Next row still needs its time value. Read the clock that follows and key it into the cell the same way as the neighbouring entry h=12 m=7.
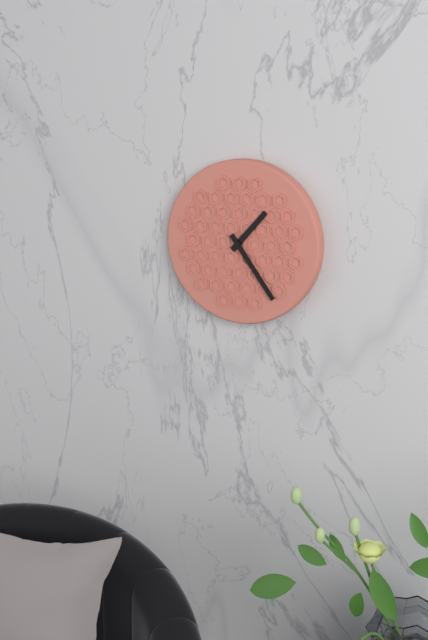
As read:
h=1 m=24
